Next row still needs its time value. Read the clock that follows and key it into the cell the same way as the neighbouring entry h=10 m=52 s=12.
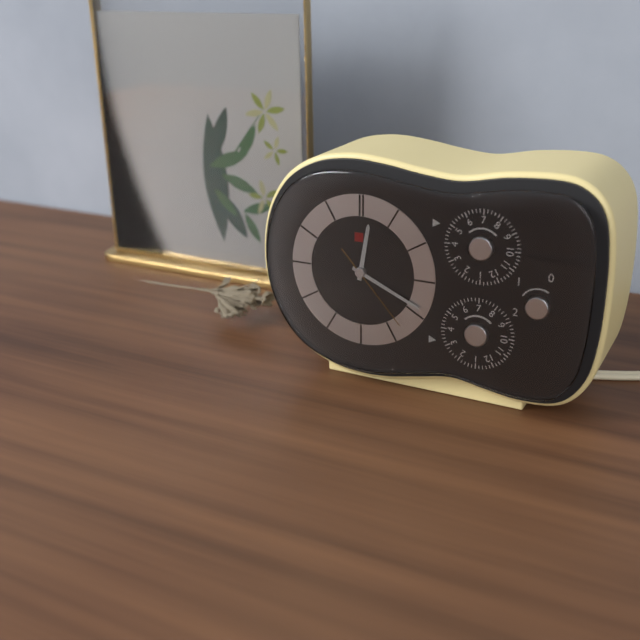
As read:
h=12 m=19 s=23
